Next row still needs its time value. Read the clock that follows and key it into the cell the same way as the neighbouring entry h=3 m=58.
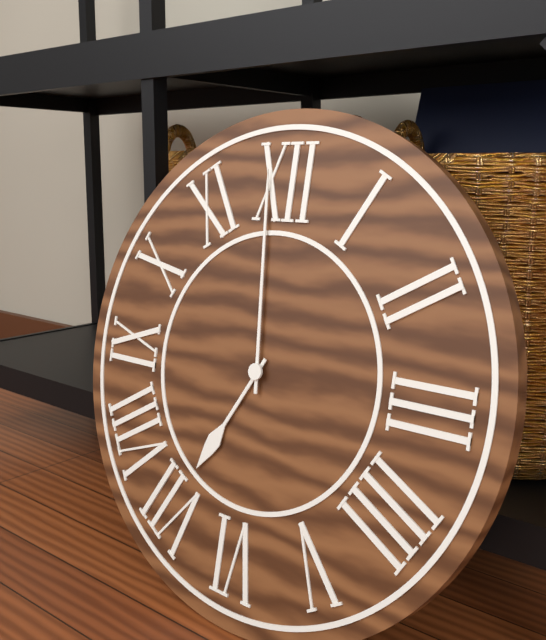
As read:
h=6 m=59
